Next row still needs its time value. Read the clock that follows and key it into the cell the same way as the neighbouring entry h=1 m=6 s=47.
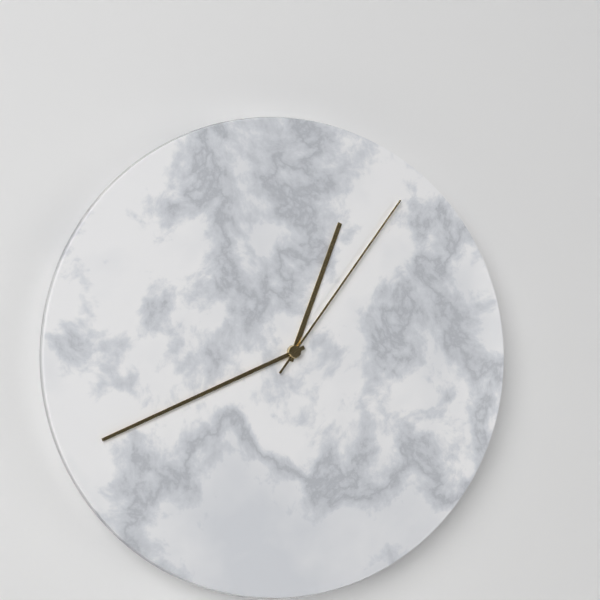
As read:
h=12 m=41 s=6
